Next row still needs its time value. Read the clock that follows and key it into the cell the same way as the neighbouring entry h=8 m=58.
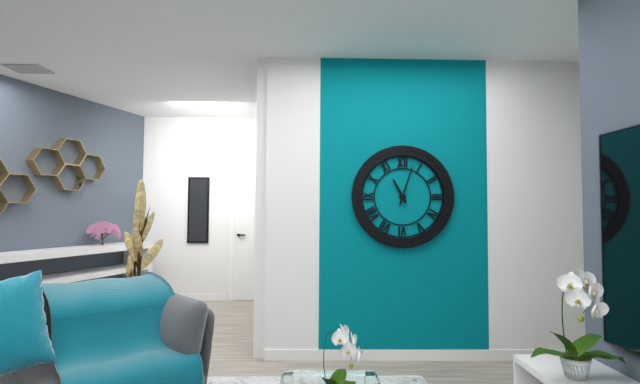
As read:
h=11 m=3
